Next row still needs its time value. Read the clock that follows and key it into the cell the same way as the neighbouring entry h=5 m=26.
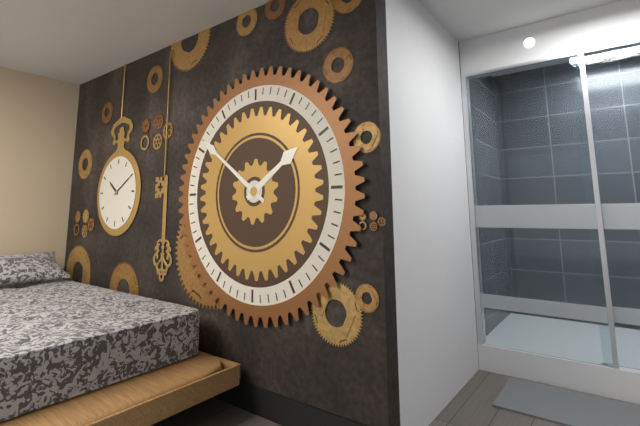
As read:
h=1 m=51
